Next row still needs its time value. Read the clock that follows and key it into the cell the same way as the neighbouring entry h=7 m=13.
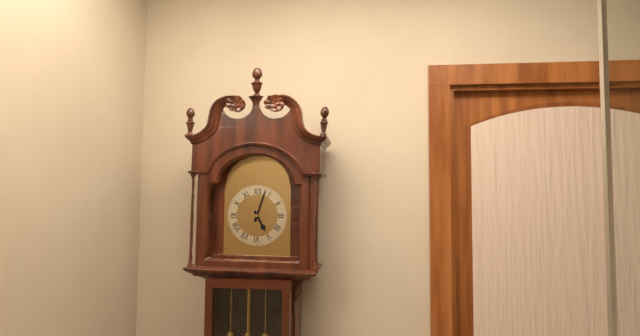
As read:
h=5 m=3
